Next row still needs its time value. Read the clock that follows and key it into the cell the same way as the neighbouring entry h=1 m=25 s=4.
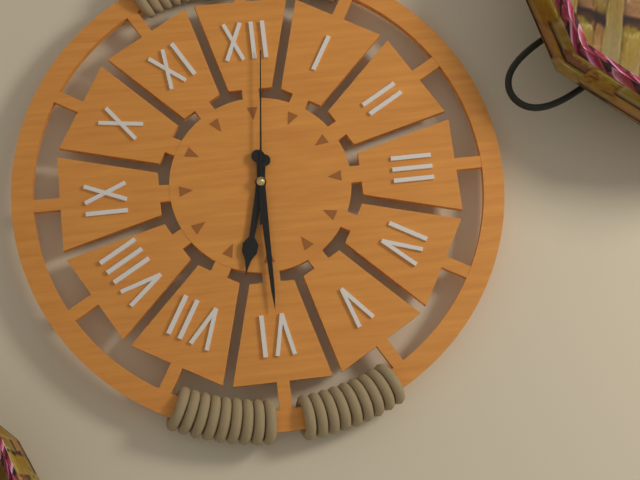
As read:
h=6 m=30 s=1
